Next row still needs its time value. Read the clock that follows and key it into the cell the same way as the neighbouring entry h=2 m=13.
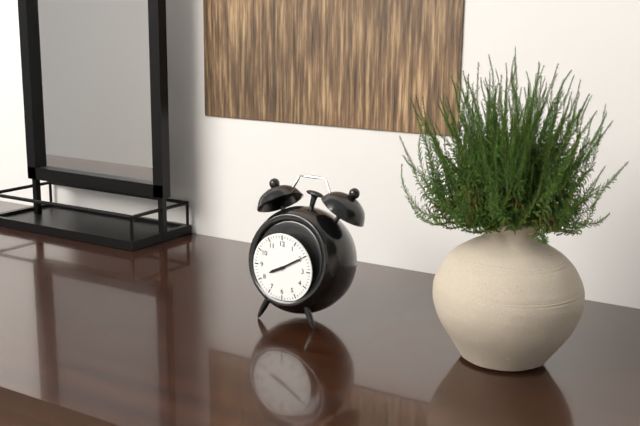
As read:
h=8 m=10
